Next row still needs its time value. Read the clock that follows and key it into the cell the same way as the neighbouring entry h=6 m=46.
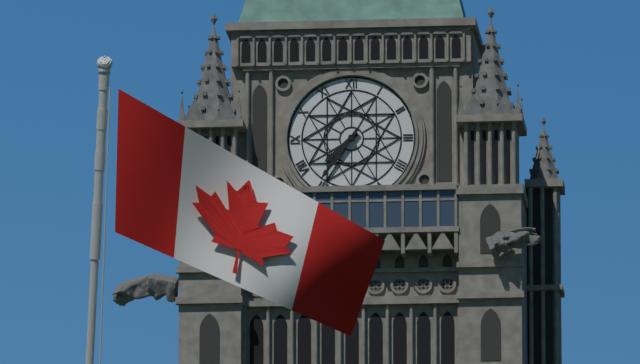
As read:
h=7 m=36
